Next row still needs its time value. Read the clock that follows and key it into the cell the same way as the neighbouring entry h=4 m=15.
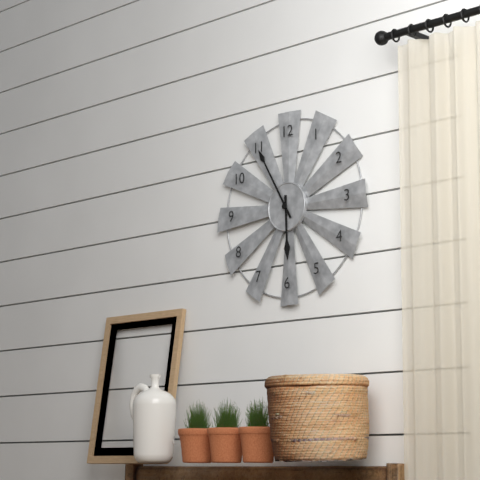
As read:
h=5 m=55
